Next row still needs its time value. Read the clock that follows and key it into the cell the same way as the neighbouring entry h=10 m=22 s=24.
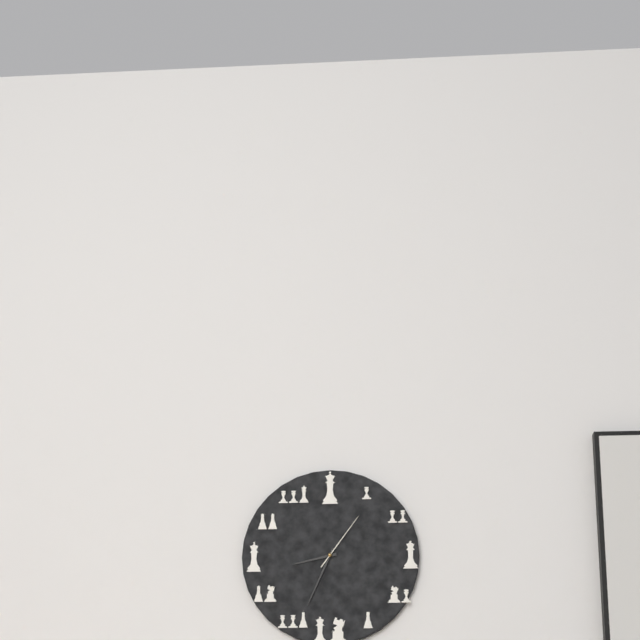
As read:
h=8 m=34 s=6
